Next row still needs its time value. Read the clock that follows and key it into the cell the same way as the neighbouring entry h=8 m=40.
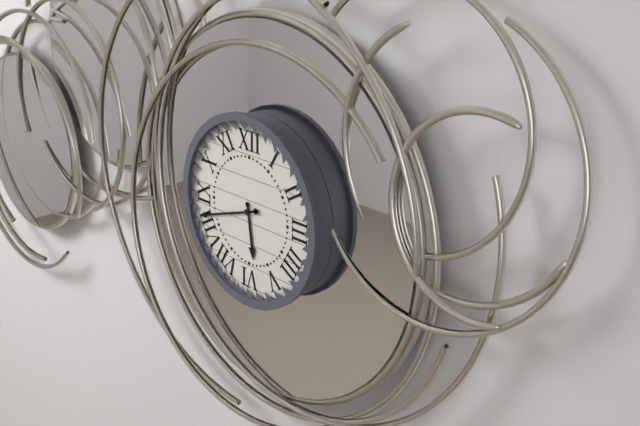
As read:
h=5 m=42
